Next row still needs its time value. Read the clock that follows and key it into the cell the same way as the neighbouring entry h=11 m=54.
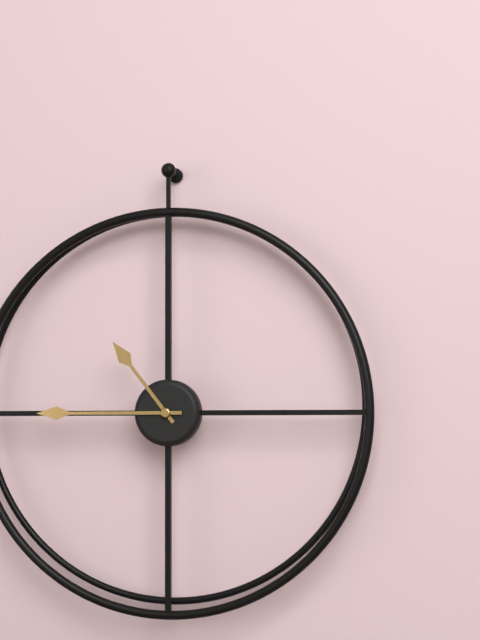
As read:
h=10 m=45
